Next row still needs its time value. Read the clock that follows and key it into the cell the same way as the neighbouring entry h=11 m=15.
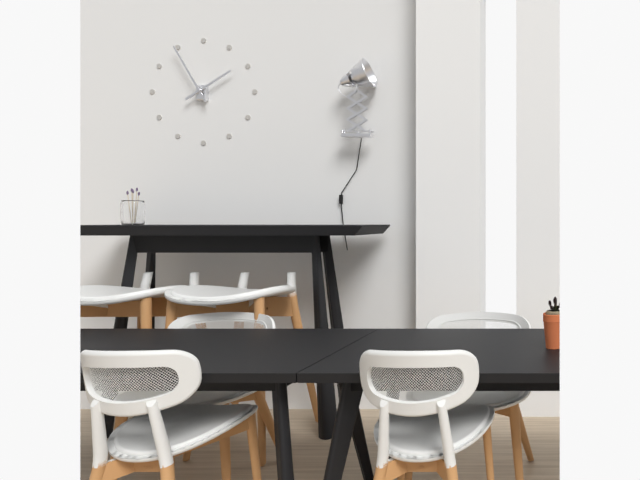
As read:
h=1 m=55
